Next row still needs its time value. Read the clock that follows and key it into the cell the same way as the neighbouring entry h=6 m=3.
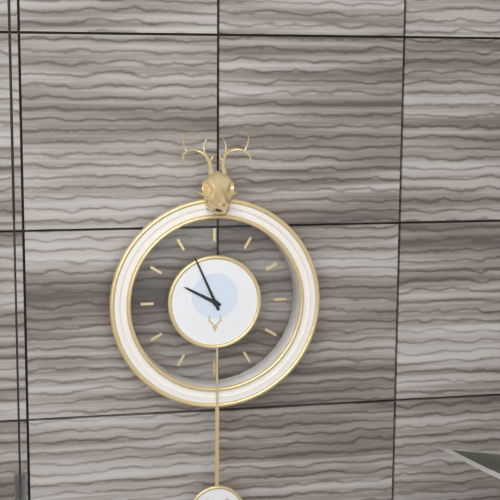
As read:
h=9 m=56
